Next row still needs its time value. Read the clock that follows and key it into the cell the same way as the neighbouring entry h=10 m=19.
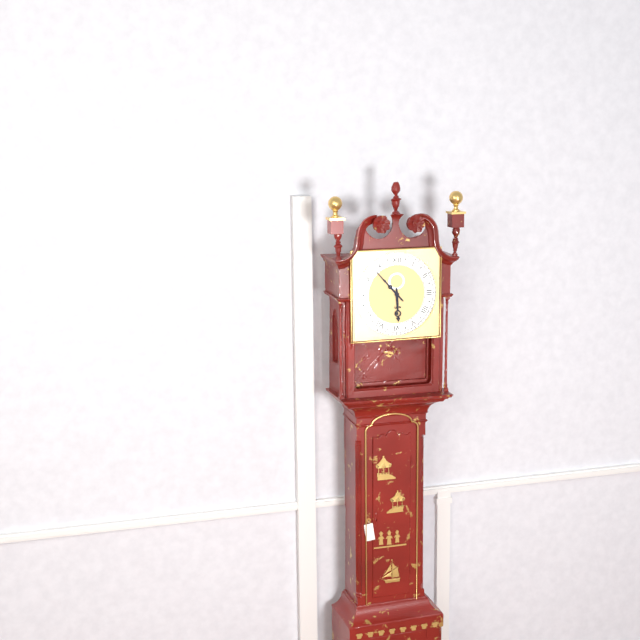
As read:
h=5 m=53
